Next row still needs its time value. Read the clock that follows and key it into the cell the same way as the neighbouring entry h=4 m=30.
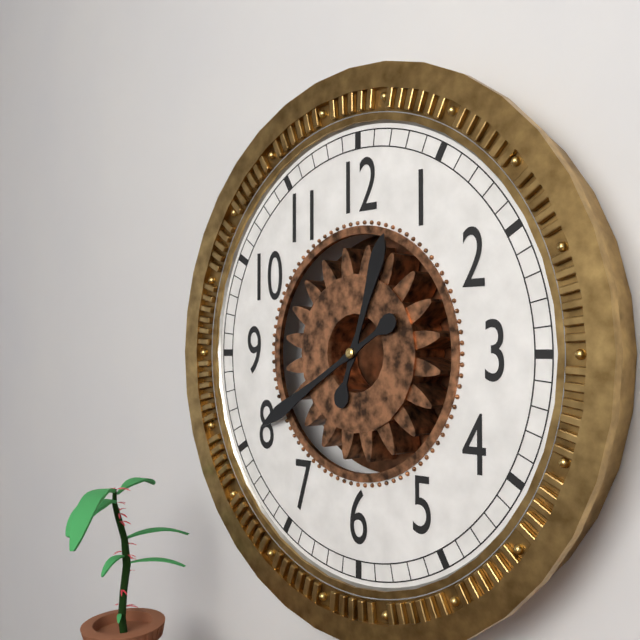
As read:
h=12 m=40
